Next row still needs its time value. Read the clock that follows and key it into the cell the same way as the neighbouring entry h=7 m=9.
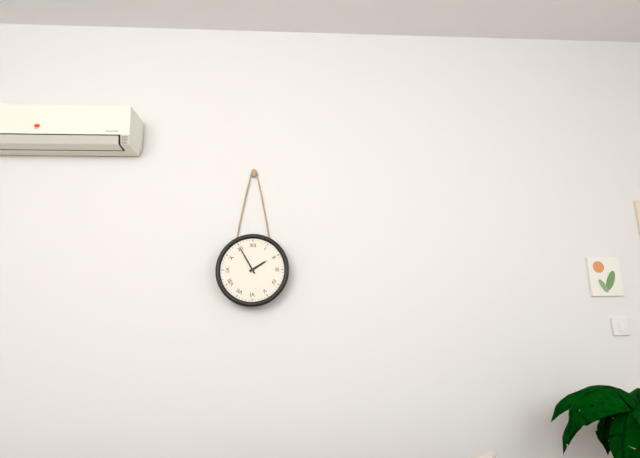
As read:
h=1 m=55
